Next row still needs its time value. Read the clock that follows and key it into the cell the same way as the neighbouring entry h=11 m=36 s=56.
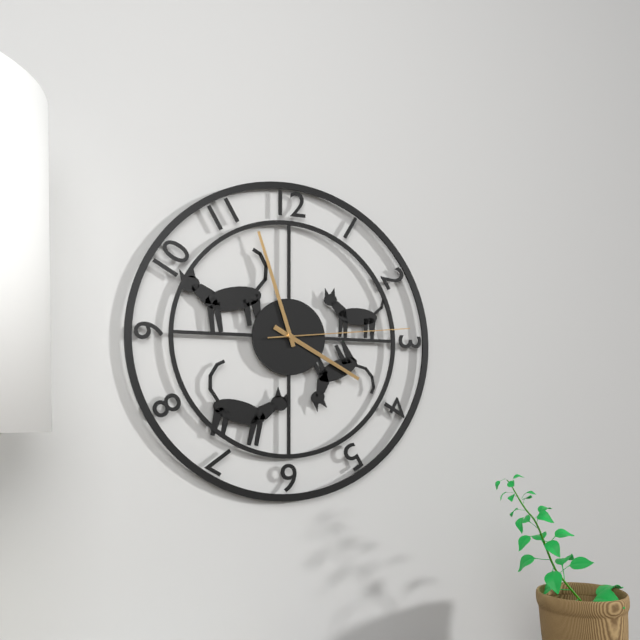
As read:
h=3 m=57 s=14
